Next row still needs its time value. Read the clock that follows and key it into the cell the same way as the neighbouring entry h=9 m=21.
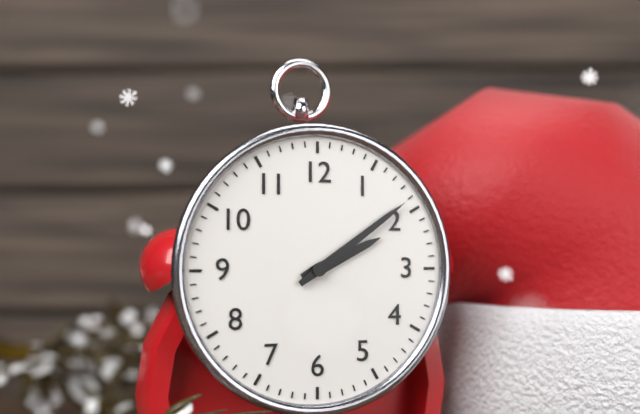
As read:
h=2 m=9
